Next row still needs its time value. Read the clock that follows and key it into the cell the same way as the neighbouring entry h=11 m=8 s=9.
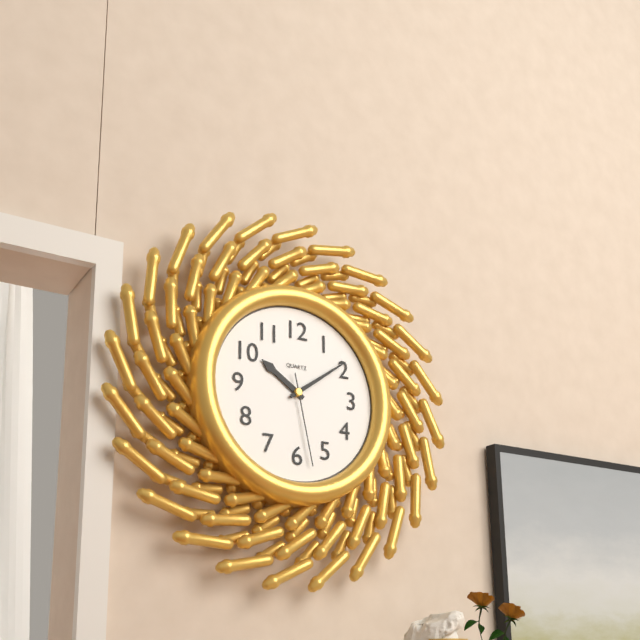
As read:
h=10 m=9 s=28
